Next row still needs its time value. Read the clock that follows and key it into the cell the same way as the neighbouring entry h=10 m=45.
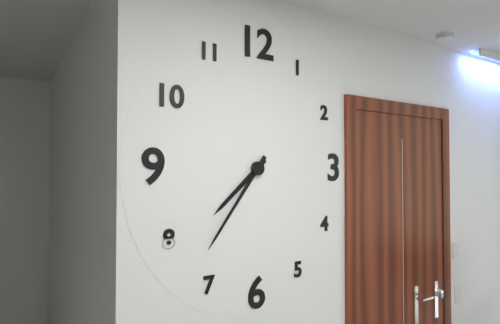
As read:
h=7 m=36
